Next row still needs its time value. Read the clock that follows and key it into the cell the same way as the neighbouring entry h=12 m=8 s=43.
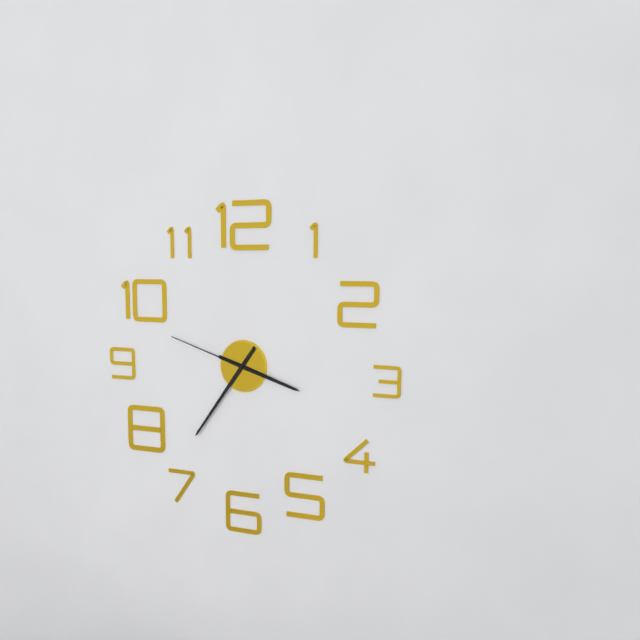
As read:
h=3 m=36 s=48
